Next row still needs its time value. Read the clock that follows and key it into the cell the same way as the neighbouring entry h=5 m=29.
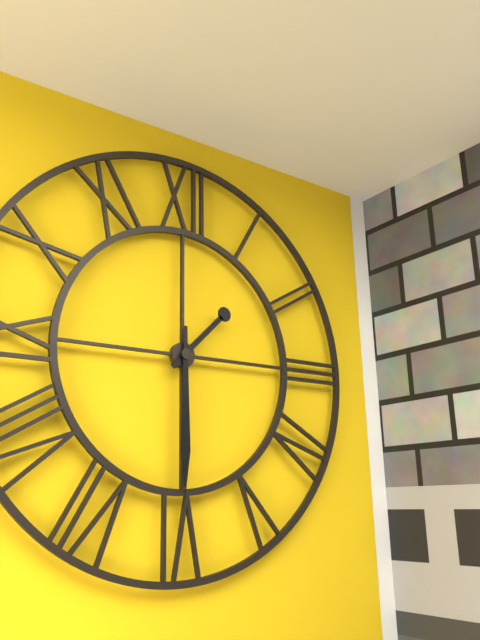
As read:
h=1 m=30
